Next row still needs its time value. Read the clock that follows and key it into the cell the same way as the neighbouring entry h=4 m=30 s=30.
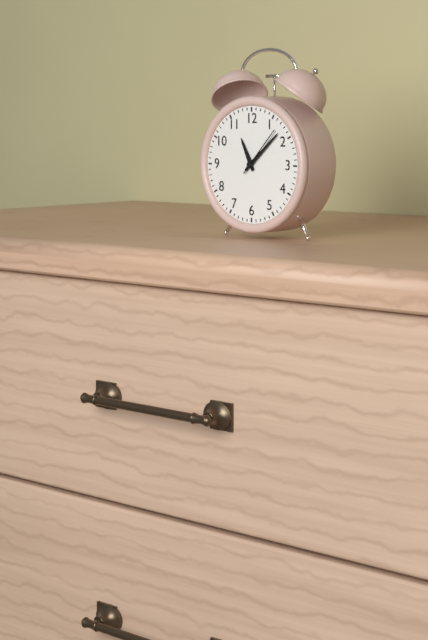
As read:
h=11 m=8 s=7
